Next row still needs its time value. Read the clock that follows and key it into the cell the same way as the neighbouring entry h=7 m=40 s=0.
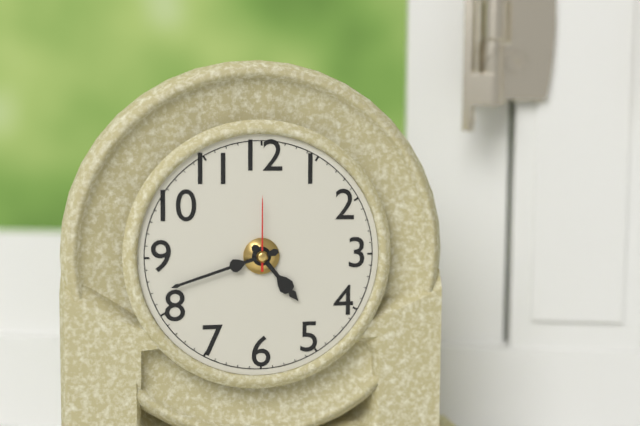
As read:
h=4 m=42 s=0
